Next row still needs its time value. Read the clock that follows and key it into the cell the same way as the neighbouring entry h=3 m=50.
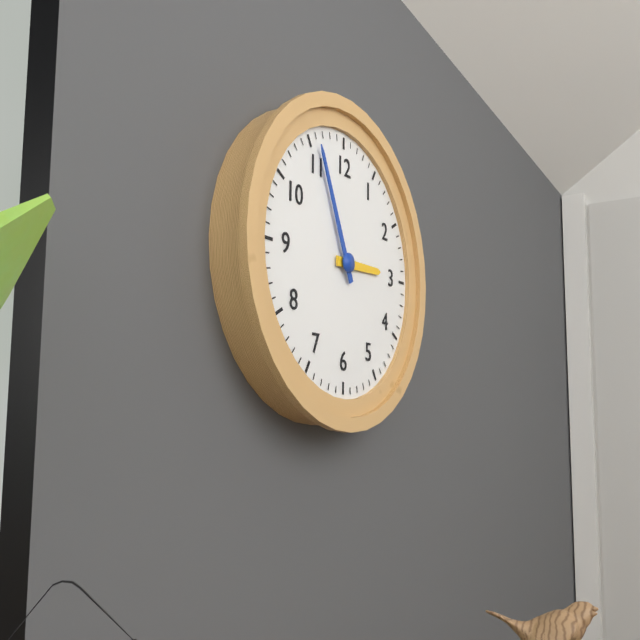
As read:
h=2 m=56
